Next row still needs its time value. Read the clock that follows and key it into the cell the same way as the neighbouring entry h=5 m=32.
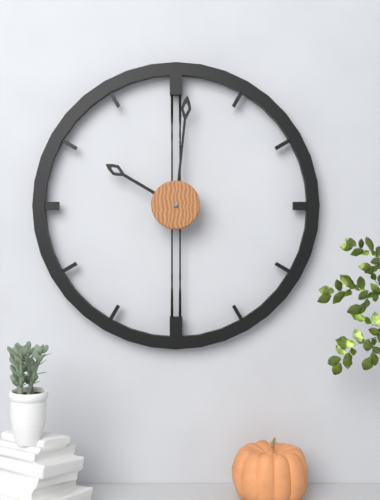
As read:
h=10 m=1
